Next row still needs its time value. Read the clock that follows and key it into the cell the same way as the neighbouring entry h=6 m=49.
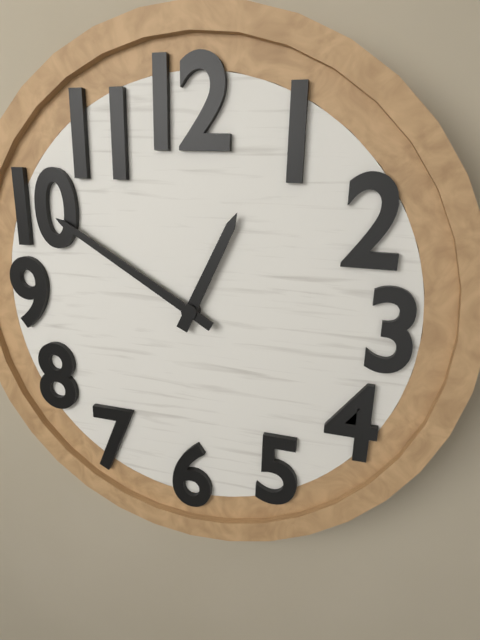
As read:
h=12 m=50
